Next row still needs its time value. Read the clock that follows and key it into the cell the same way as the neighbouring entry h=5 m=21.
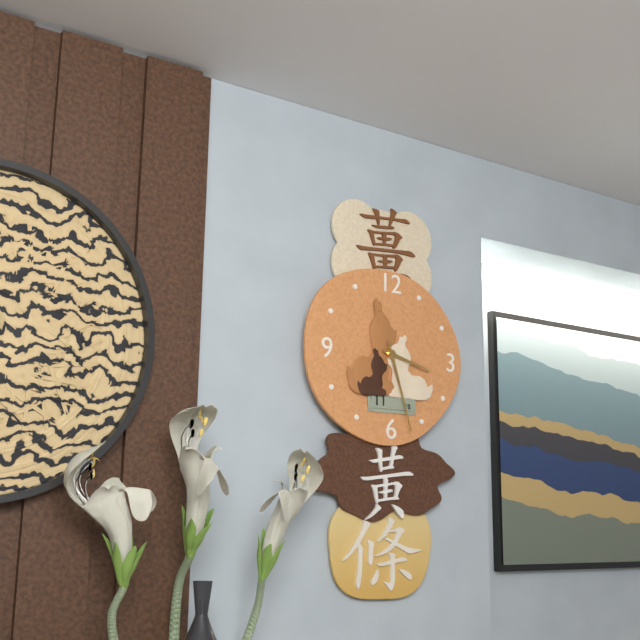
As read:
h=3 m=27
